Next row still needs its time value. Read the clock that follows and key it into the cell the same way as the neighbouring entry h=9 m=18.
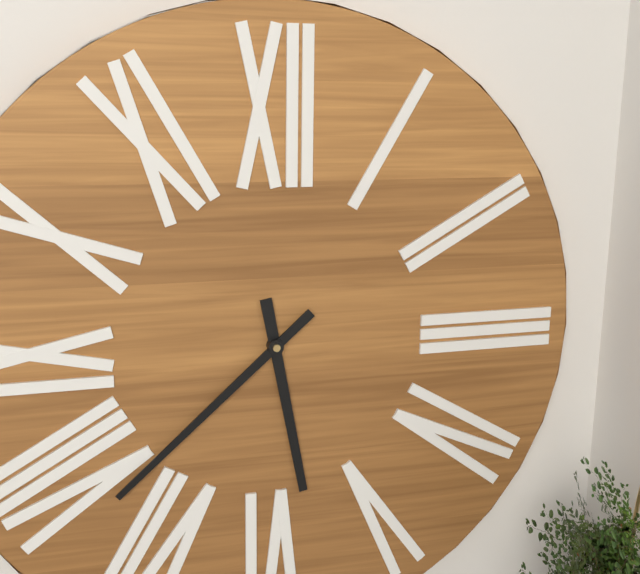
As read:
h=5 m=38
